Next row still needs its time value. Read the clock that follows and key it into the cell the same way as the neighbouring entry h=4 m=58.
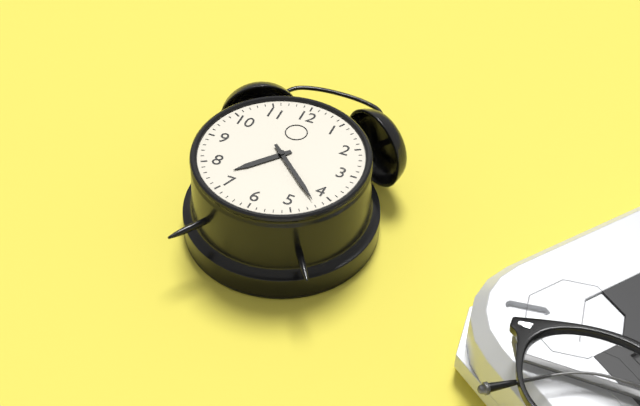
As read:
h=7 m=22
